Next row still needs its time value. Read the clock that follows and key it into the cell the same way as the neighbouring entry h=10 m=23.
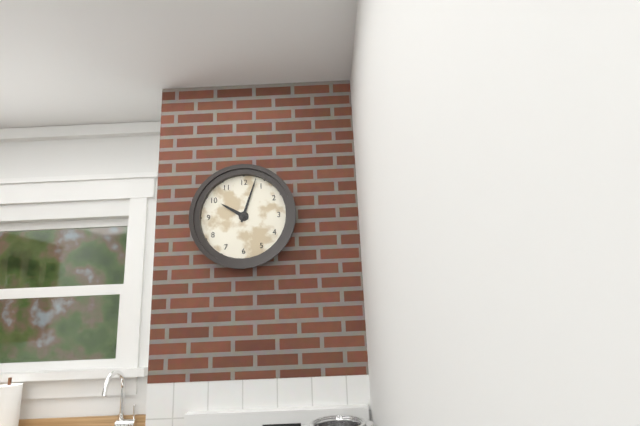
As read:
h=10 m=3
